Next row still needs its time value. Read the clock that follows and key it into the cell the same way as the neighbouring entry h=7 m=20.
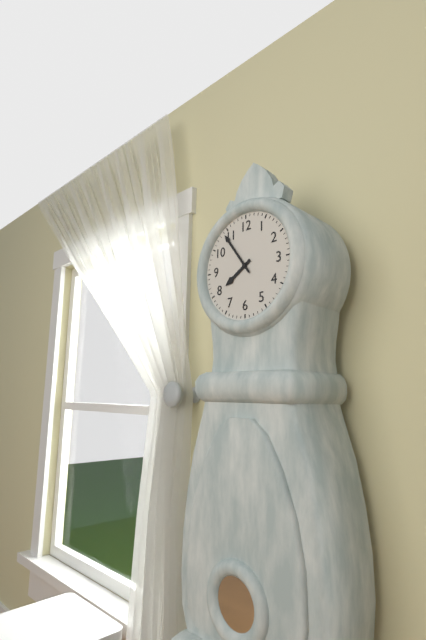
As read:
h=7 m=54
